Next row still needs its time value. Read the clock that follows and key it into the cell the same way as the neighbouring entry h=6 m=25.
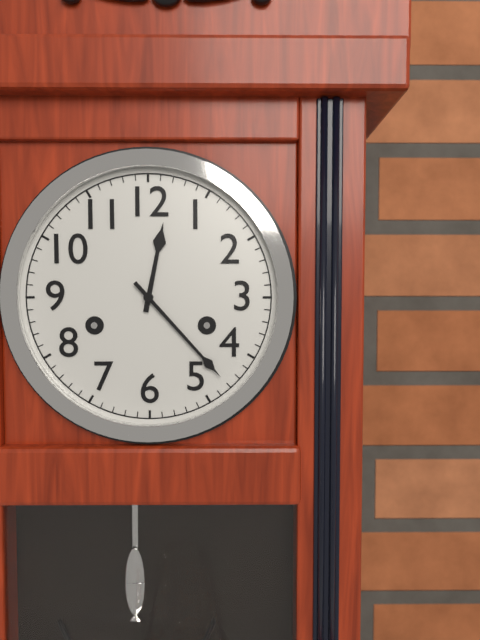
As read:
h=12 m=23
